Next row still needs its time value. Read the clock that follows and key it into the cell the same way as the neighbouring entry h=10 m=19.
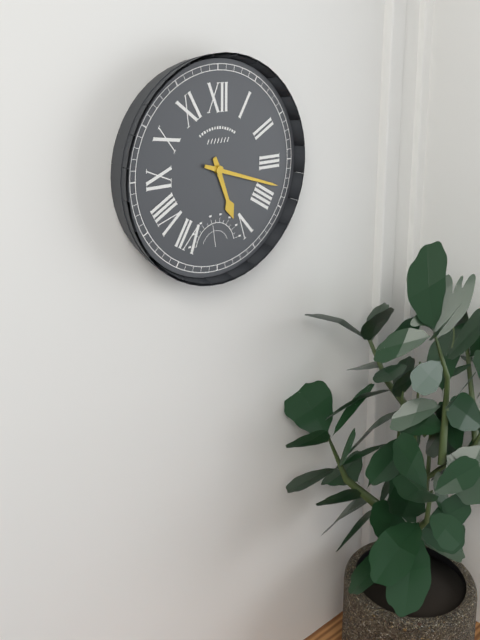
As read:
h=5 m=18
